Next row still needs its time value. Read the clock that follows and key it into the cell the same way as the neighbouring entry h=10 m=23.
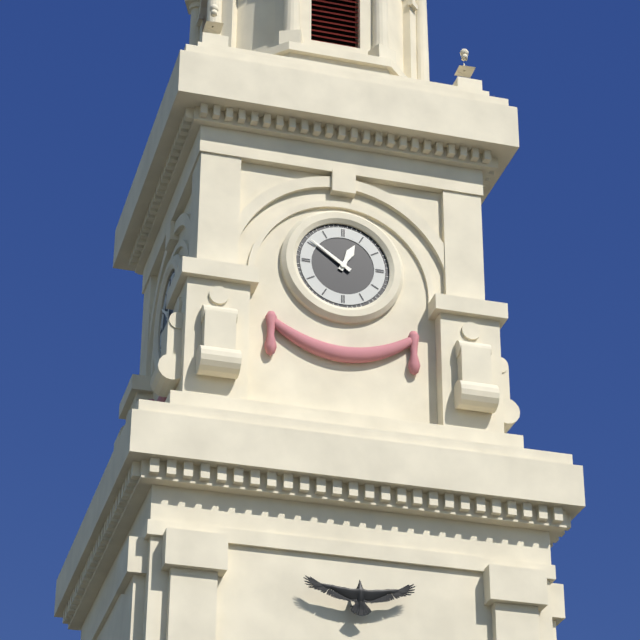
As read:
h=12 m=51
